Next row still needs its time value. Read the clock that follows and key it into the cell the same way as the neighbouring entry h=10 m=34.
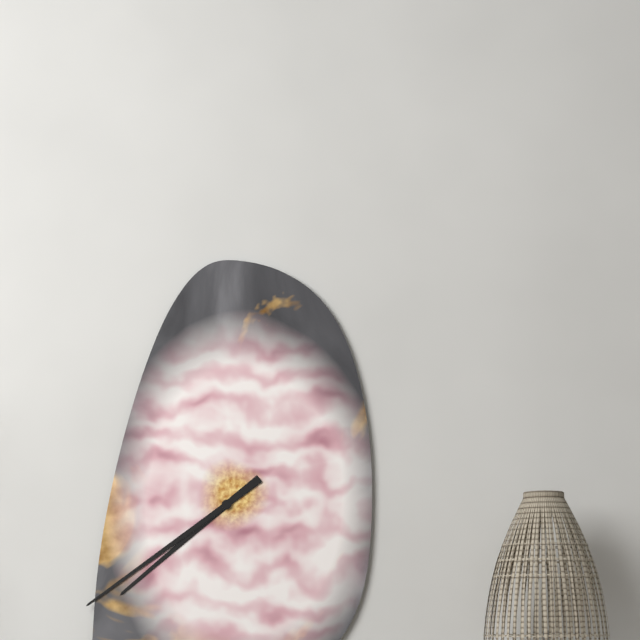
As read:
h=7 m=39
